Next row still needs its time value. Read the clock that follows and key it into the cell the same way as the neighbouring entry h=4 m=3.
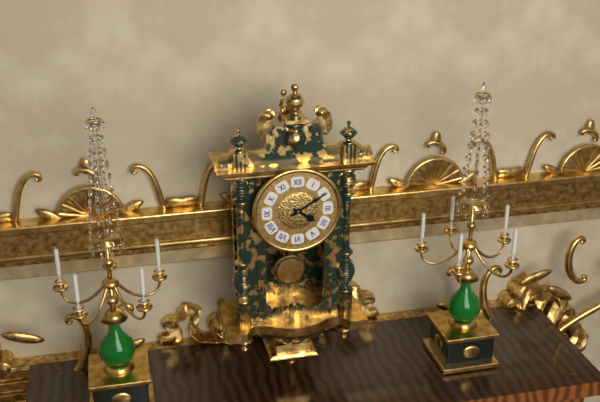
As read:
h=4 m=10
